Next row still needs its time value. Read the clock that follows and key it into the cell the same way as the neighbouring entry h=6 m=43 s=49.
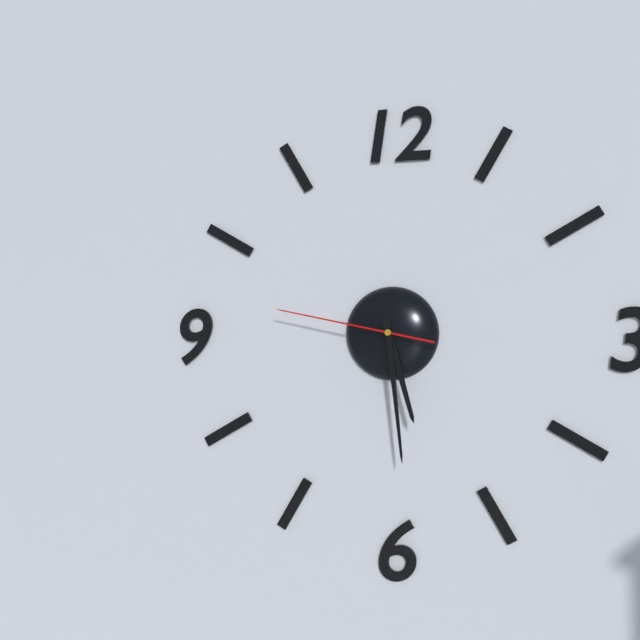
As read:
h=5 m=29 s=47
